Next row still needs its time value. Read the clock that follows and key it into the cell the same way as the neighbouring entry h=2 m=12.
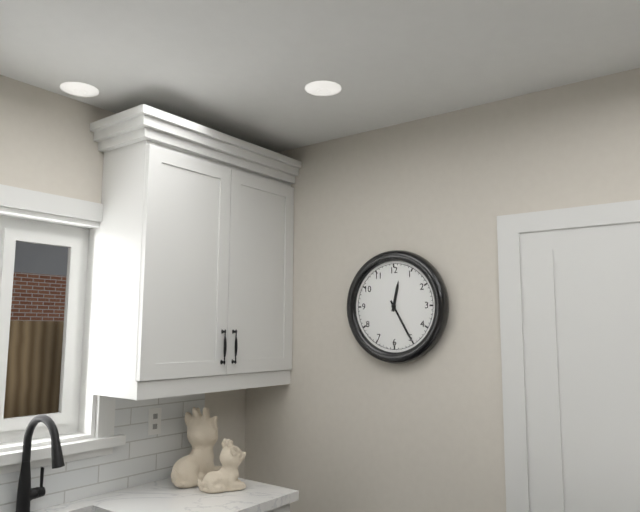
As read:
h=12 m=25
